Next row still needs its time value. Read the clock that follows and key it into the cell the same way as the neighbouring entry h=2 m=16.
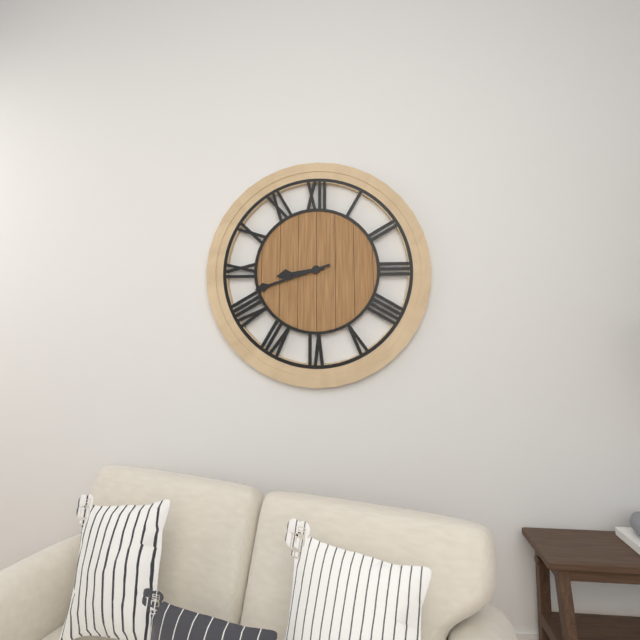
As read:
h=8 m=42
